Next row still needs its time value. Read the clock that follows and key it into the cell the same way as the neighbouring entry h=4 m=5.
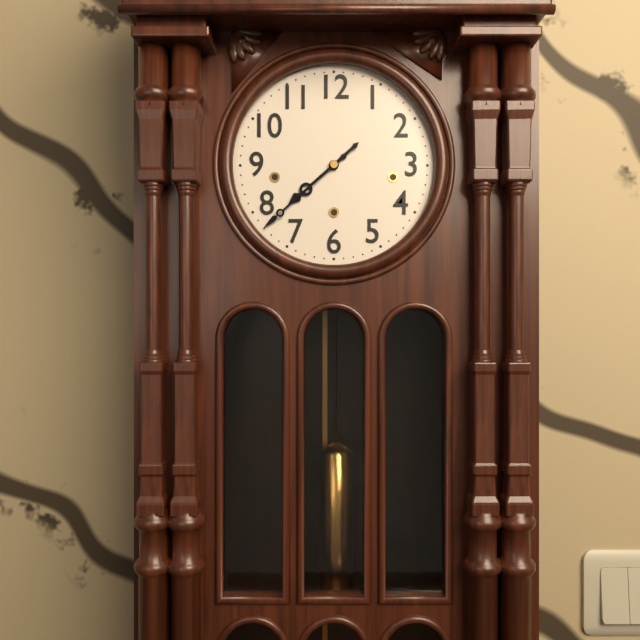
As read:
h=7 m=38
